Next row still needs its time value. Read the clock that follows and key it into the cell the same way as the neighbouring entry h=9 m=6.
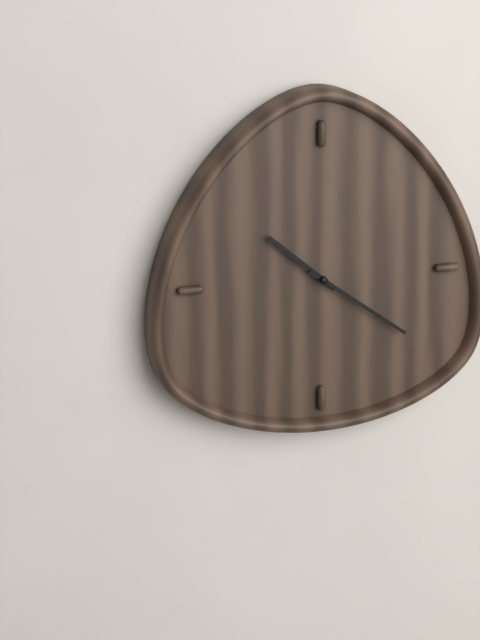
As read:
h=10 m=21
